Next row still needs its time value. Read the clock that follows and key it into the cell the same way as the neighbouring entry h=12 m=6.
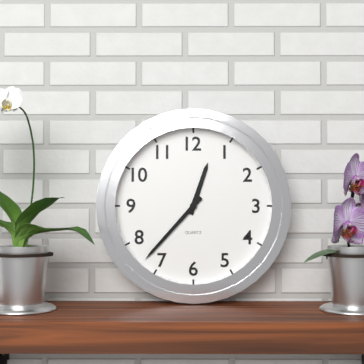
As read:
h=12 m=37
